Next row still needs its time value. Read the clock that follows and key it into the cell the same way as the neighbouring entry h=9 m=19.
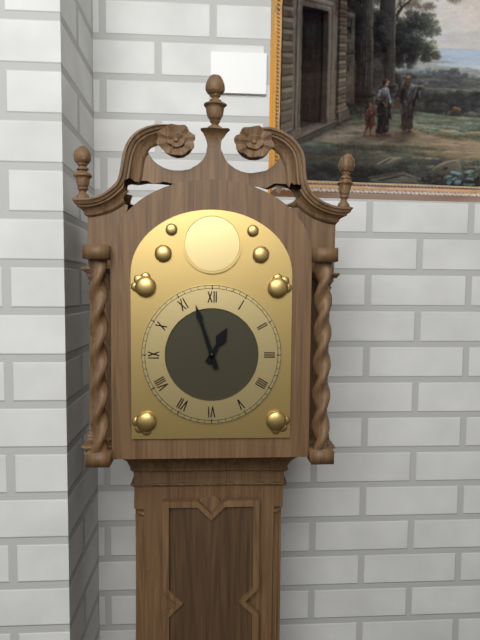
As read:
h=12 m=57
